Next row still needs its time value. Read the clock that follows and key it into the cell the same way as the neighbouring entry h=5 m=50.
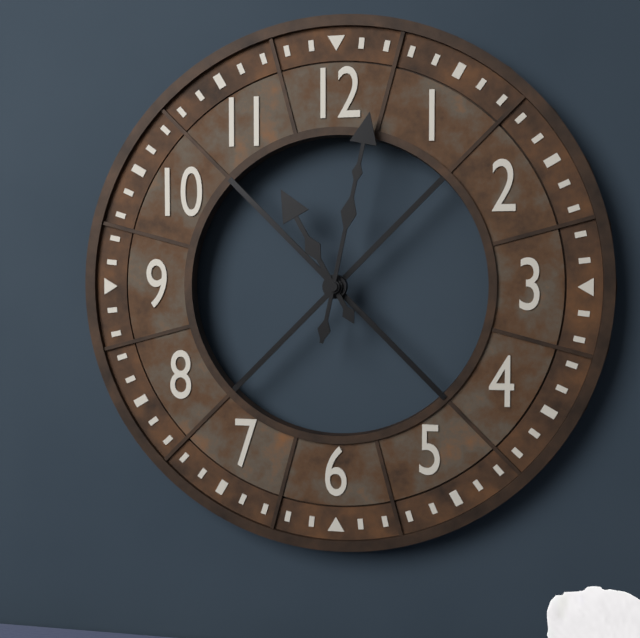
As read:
h=11 m=2
